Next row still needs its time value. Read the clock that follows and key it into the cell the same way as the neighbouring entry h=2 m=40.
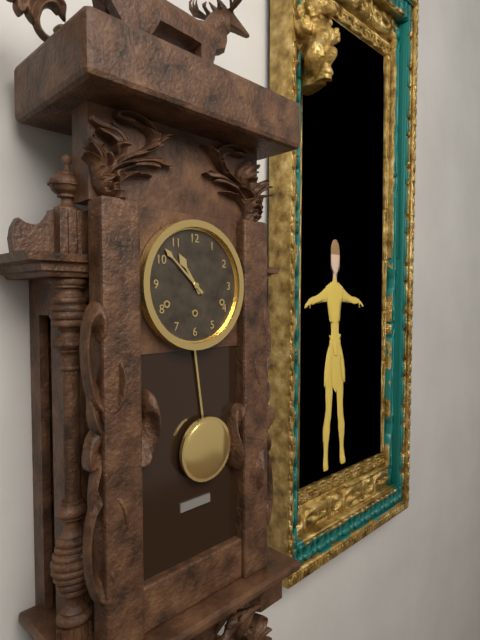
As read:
h=10 m=52
